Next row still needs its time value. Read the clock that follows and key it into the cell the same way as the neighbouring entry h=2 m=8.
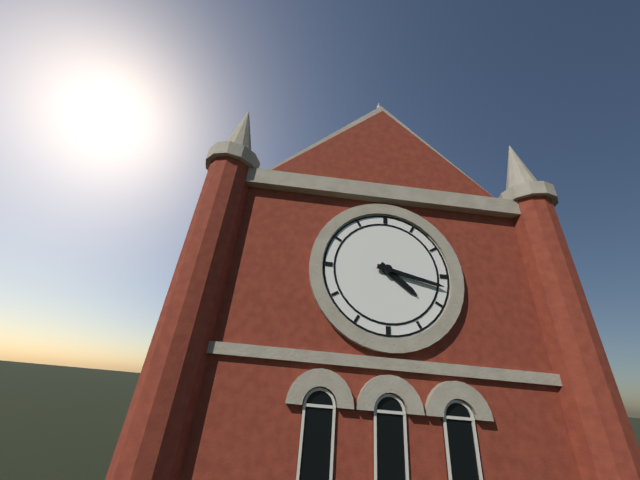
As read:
h=4 m=17
